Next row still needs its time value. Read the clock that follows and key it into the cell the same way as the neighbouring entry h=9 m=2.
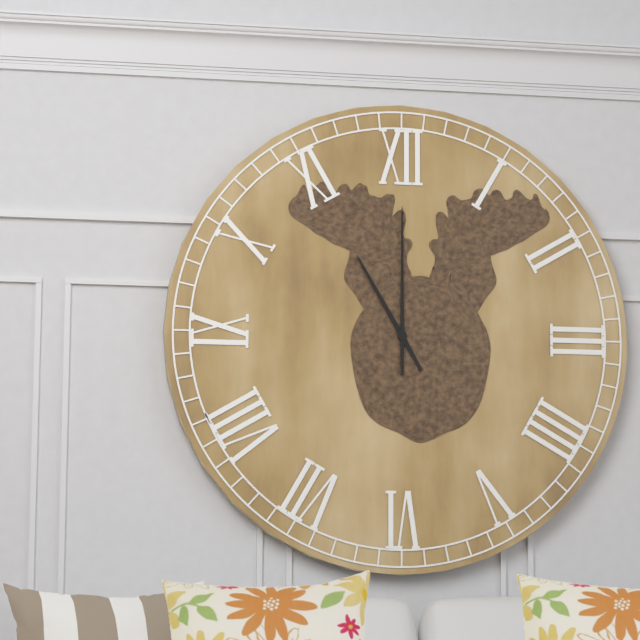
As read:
h=11 m=0
